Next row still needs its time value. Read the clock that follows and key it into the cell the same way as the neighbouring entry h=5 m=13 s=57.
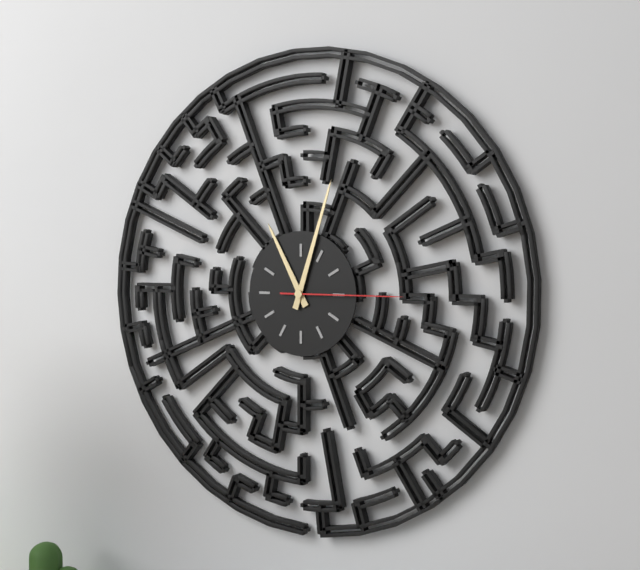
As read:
h=11 m=3 s=15
